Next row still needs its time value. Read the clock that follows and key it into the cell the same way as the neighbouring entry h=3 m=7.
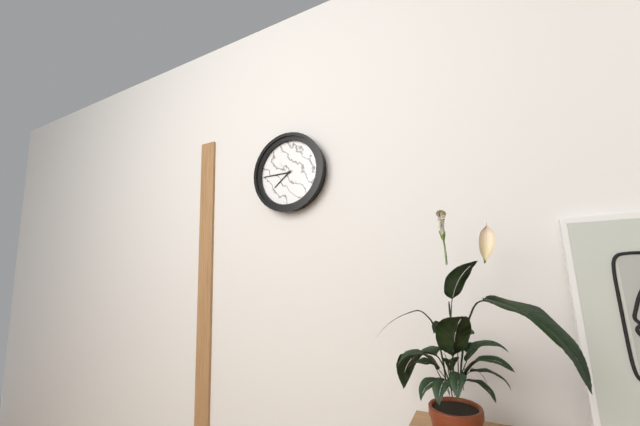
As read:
h=7 m=45
